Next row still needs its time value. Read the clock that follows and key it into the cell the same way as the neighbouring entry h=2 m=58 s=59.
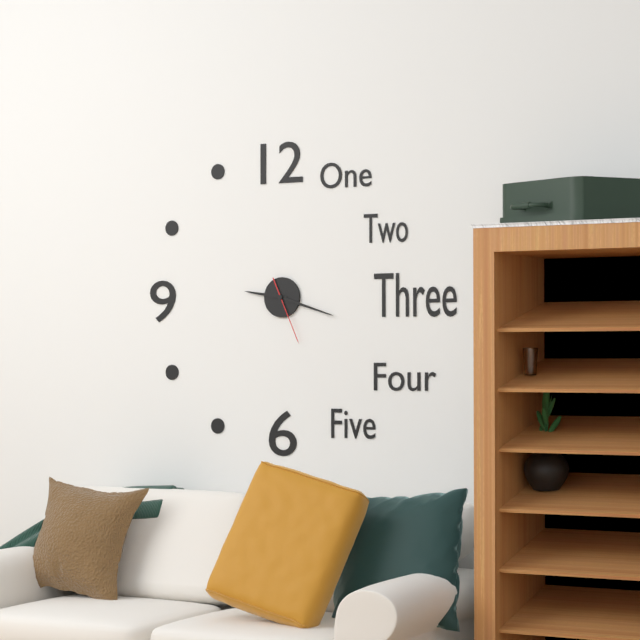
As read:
h=9 m=18 s=26
